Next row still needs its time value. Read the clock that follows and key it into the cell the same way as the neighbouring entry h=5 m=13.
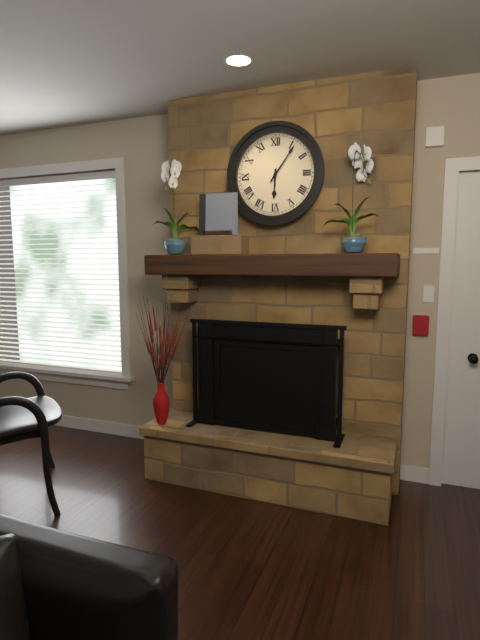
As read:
h=6 m=6
